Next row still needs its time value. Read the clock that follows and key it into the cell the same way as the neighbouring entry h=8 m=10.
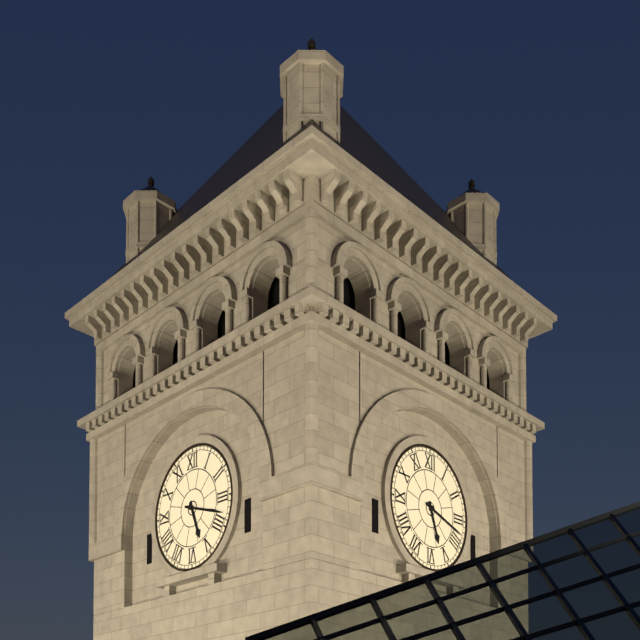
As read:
h=5 m=18
